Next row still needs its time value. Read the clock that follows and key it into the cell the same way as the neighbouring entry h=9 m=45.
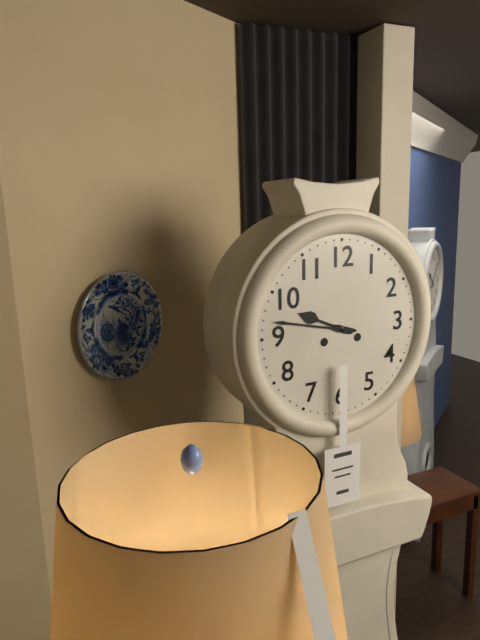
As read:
h=9 m=47
